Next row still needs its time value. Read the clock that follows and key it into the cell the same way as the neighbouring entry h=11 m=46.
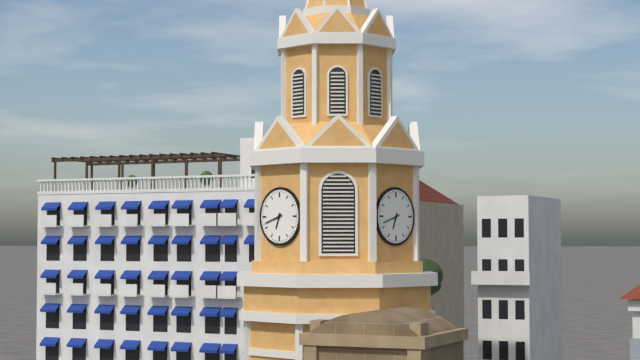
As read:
h=6 m=42
